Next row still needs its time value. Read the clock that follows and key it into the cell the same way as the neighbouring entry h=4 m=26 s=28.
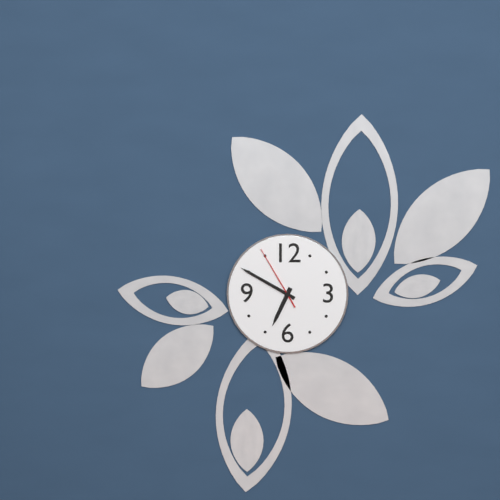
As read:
h=6 m=50 s=55
